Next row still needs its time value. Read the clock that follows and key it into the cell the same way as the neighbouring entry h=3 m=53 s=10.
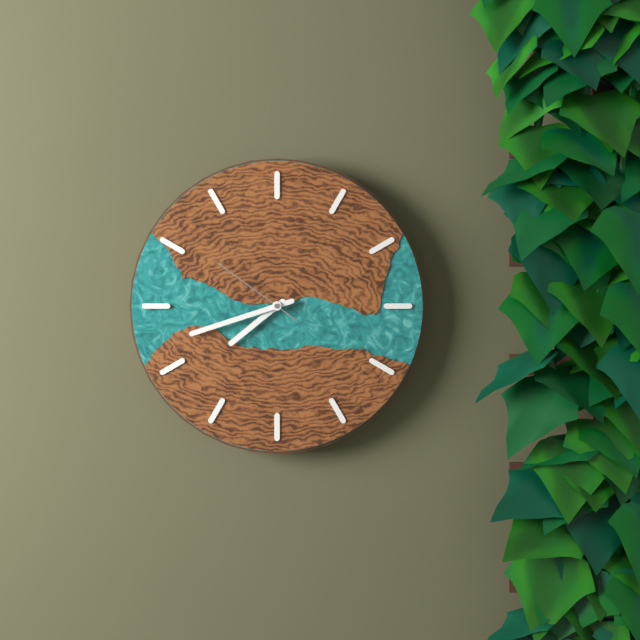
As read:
h=7 m=42 s=51
